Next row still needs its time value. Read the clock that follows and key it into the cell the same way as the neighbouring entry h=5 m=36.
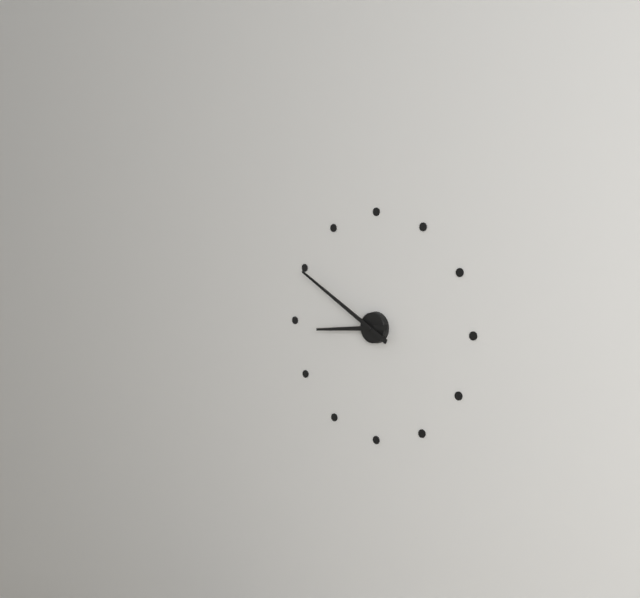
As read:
h=8 m=50
